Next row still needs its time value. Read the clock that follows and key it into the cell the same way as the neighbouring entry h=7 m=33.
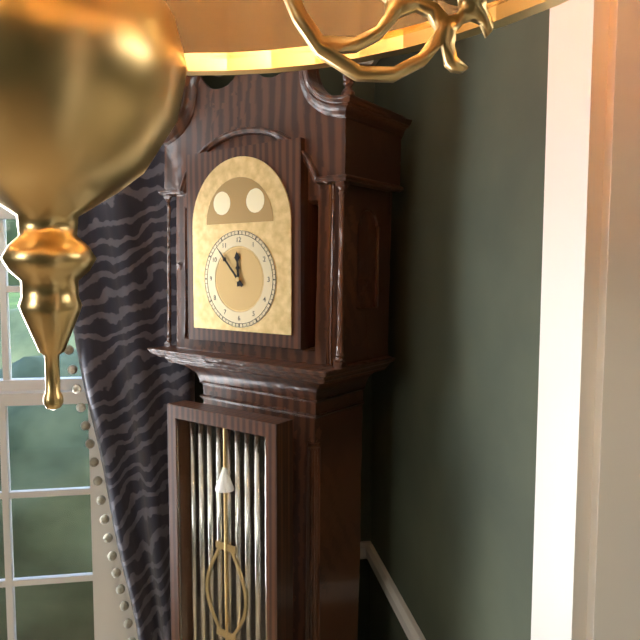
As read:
h=11 m=53
